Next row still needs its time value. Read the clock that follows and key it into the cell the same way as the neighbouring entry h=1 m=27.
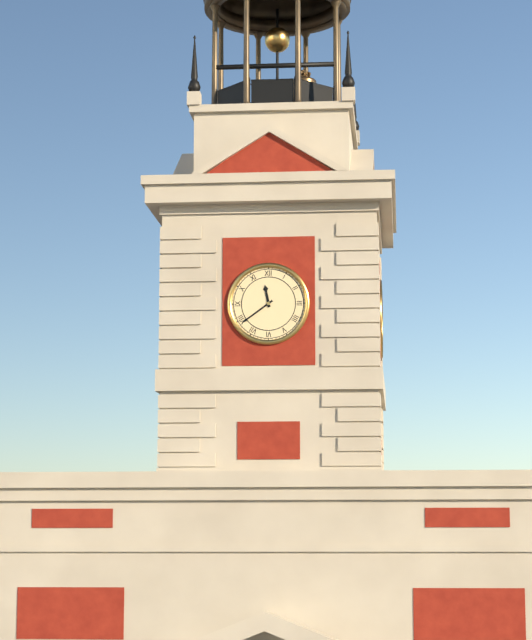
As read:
h=11 m=39
